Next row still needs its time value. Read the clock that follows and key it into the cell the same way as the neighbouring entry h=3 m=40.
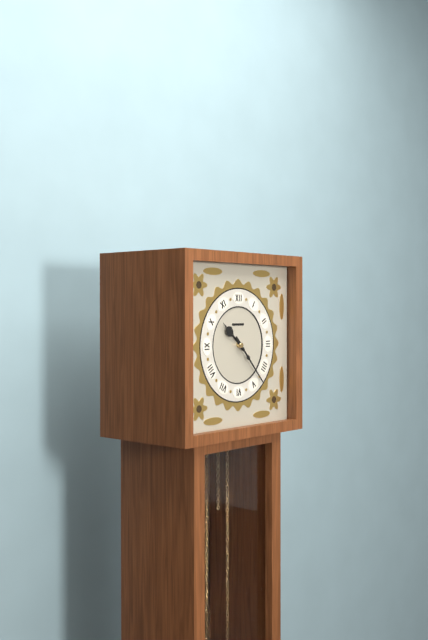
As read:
h=10 m=23
